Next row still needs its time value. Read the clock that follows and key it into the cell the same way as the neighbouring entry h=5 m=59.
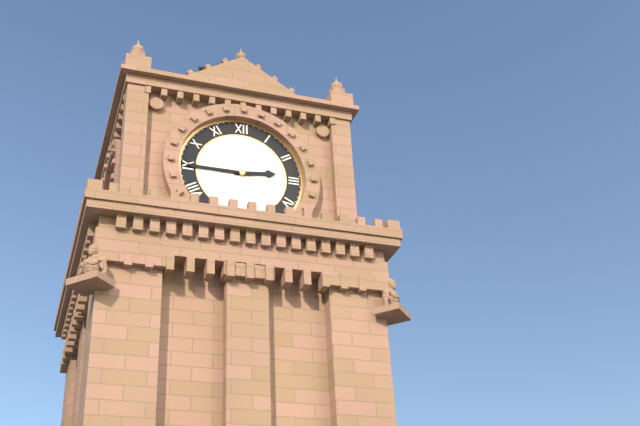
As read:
h=2 m=45
